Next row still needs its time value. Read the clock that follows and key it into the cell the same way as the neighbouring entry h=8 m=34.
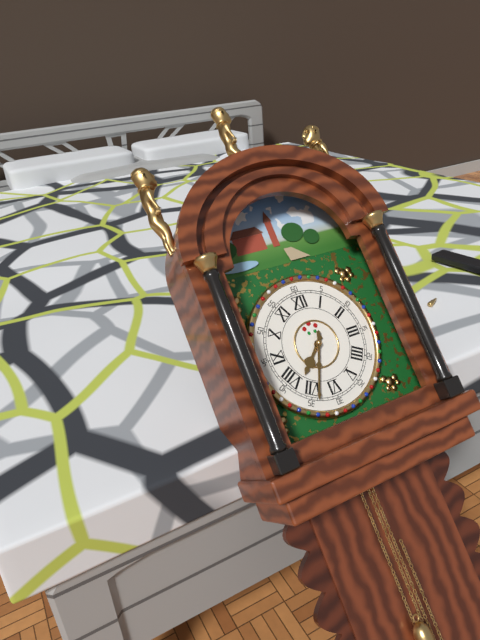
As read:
h=7 m=34
